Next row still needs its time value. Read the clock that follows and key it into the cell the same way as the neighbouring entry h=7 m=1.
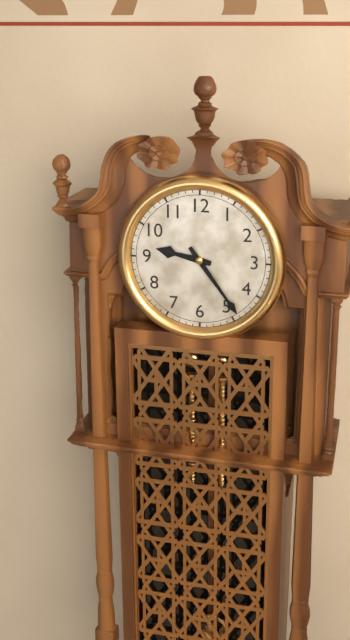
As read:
h=9 m=24
